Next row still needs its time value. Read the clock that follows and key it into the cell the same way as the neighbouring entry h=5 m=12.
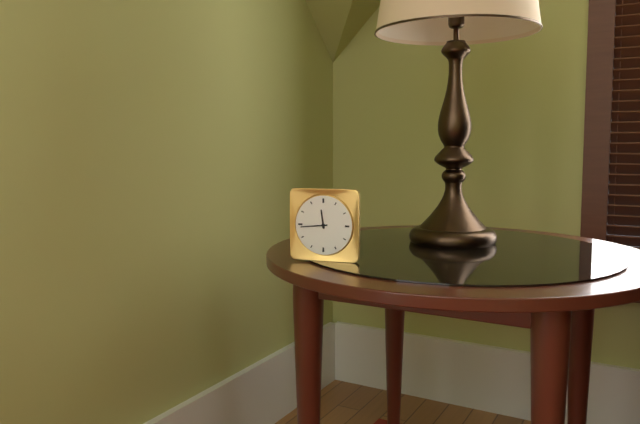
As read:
h=11 m=44
